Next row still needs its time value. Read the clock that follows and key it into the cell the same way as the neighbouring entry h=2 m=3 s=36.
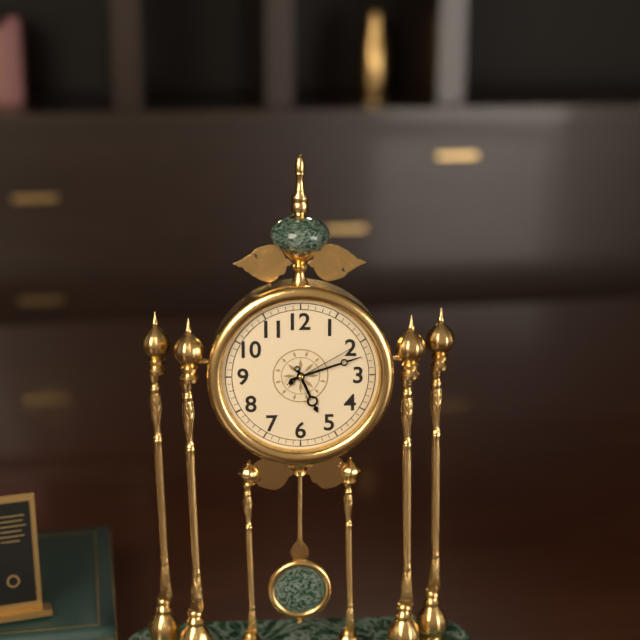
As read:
h=5 m=12 s=10
